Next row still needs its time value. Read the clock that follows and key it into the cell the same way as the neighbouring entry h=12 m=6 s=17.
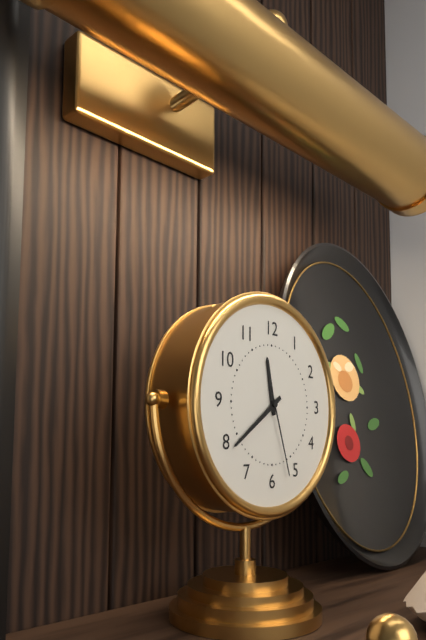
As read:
h=11 m=39 s=27
